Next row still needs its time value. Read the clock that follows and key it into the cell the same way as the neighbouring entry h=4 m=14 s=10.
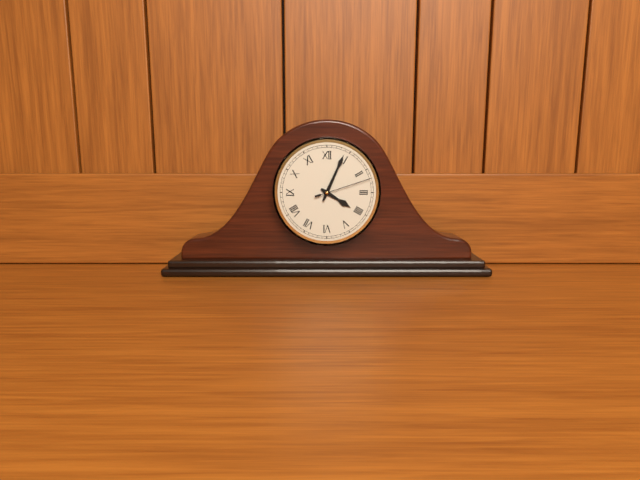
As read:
h=4 m=4 s=12
